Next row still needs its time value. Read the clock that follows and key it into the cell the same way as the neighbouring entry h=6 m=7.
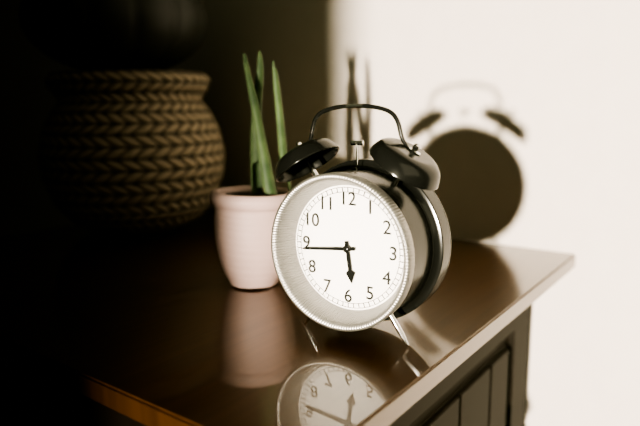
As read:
h=5 m=44
